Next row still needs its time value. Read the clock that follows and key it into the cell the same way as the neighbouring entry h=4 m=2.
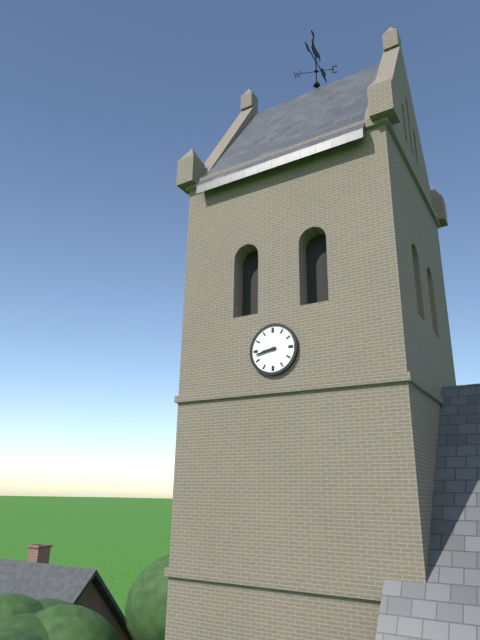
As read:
h=8 m=43
